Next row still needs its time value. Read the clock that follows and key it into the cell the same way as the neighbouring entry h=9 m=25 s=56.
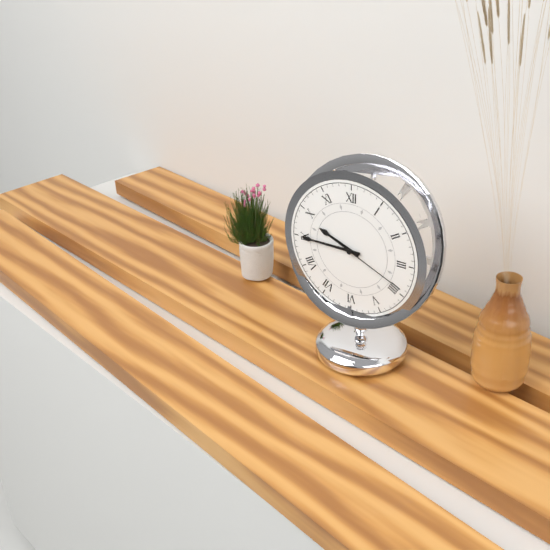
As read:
h=9 m=45 s=19
